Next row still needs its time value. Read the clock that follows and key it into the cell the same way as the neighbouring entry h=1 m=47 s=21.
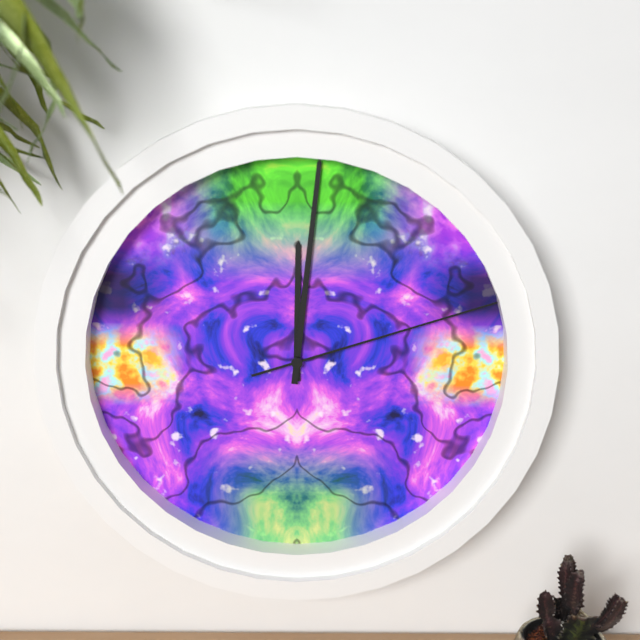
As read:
h=12 m=1 s=12
